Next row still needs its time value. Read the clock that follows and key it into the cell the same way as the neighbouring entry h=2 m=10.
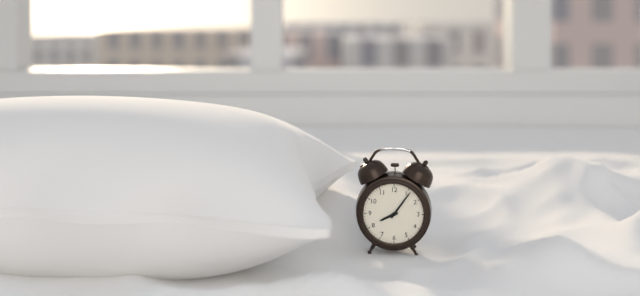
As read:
h=8 m=6
